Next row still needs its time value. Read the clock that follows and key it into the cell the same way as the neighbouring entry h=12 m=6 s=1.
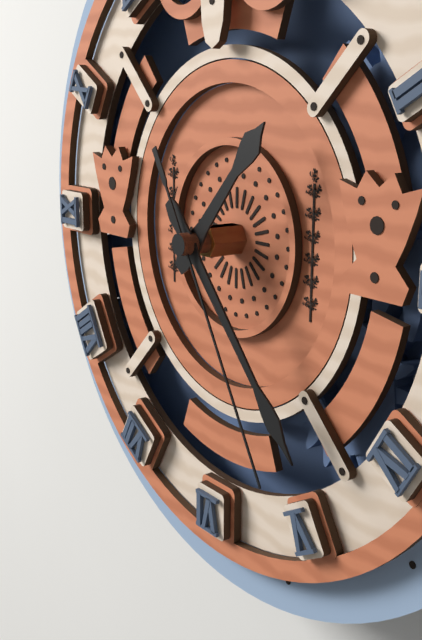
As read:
h=1 m=23 s=25
